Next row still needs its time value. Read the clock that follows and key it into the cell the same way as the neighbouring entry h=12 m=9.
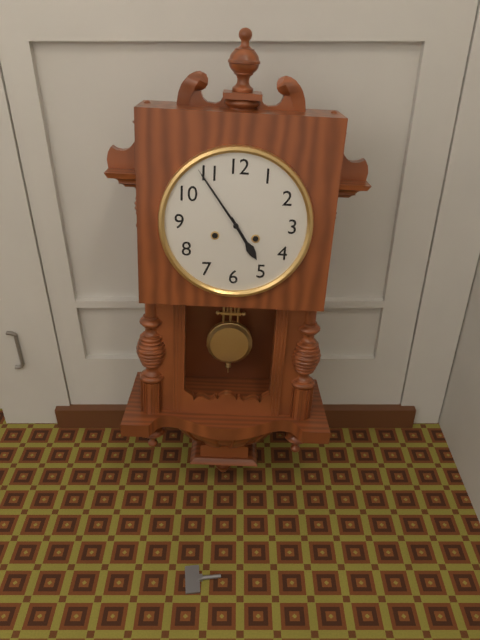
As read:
h=4 m=54
